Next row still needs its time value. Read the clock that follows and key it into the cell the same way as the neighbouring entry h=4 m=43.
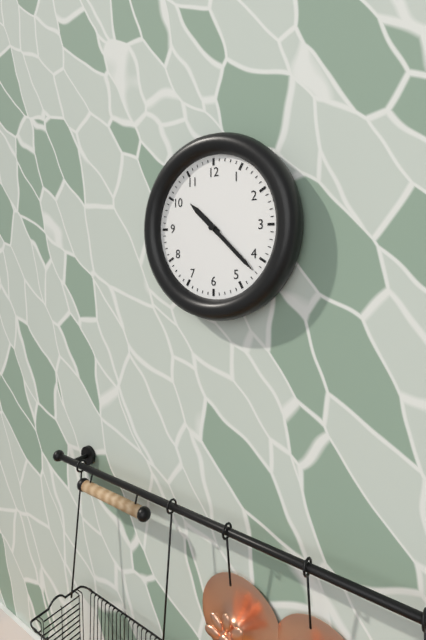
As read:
h=10 m=22
